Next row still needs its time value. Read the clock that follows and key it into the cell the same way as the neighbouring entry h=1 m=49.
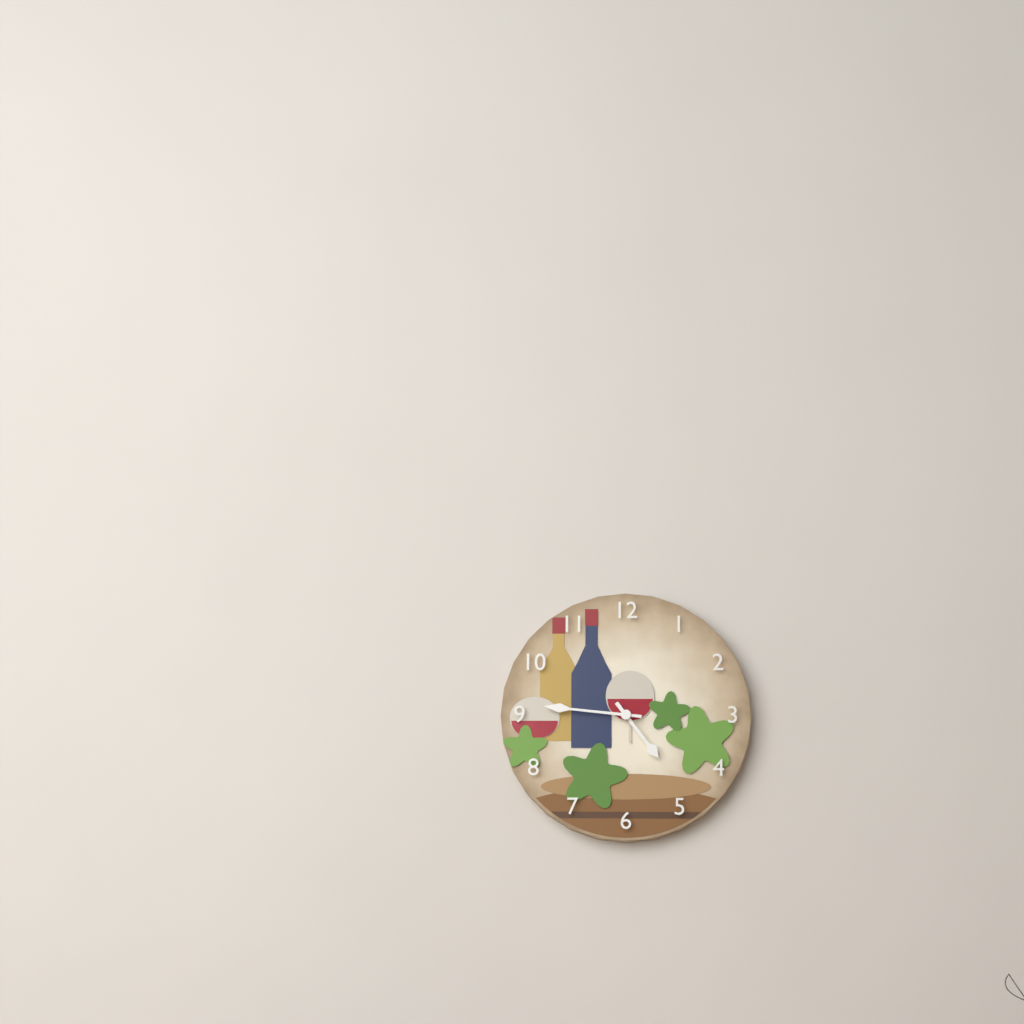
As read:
h=4 m=46
